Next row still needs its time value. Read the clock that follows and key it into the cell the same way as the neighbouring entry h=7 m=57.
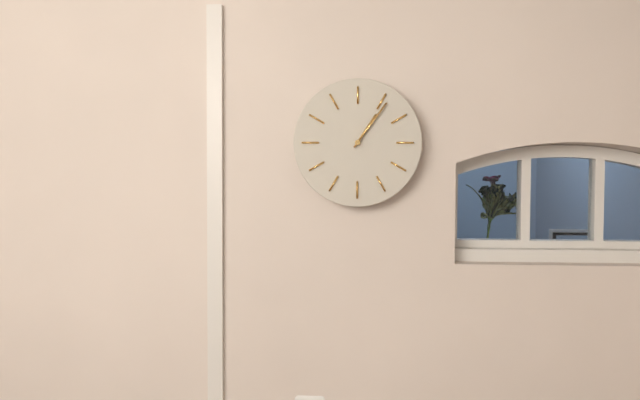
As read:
h=1 m=6
